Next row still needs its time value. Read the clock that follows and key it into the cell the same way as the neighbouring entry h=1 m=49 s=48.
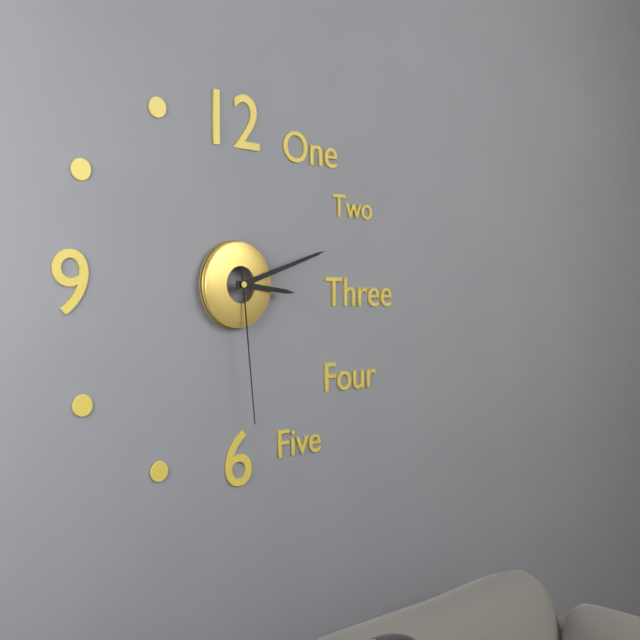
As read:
h=3 m=12 s=29
